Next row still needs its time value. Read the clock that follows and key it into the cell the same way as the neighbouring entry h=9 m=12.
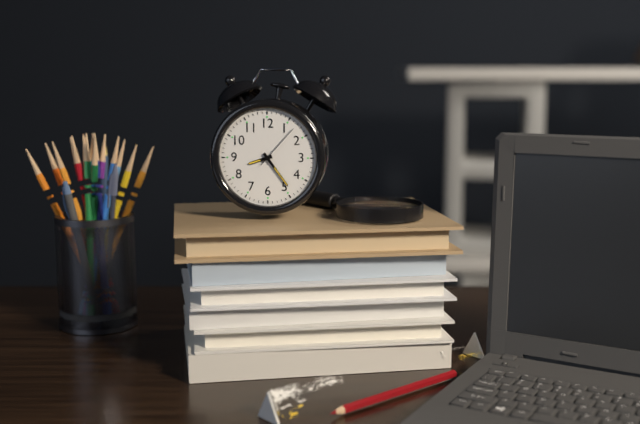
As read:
h=8 m=24
